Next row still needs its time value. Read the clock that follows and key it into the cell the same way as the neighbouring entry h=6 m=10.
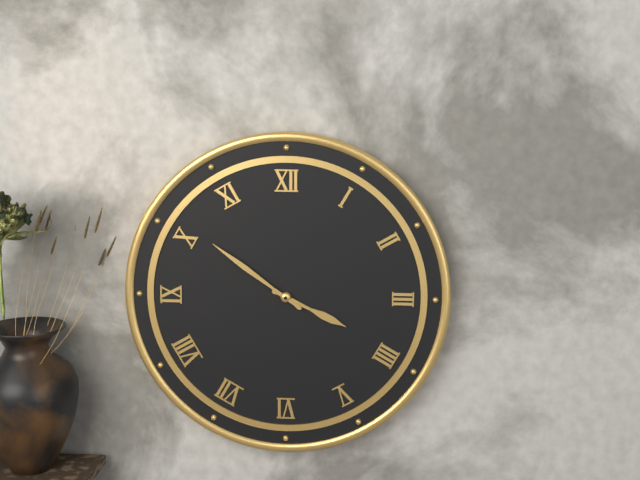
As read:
h=3 m=51
